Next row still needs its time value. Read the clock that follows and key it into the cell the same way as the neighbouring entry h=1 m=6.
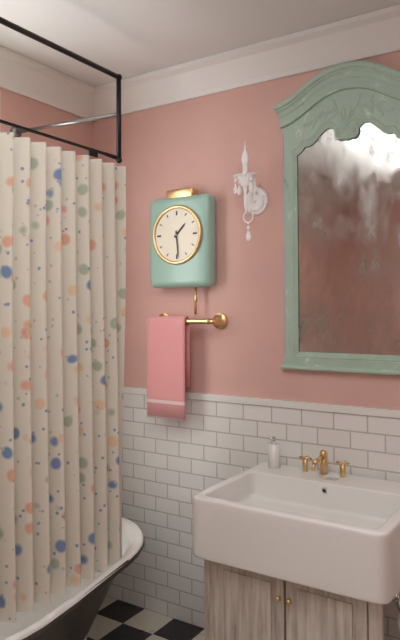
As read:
h=1 m=29
